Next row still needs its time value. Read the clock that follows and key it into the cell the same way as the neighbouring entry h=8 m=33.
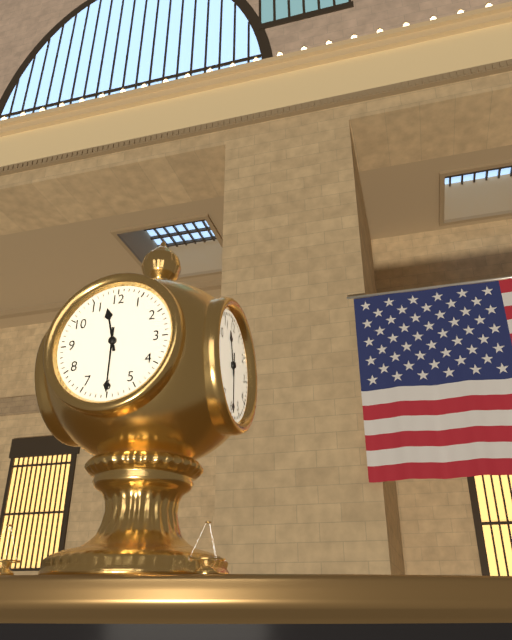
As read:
h=11 m=30
